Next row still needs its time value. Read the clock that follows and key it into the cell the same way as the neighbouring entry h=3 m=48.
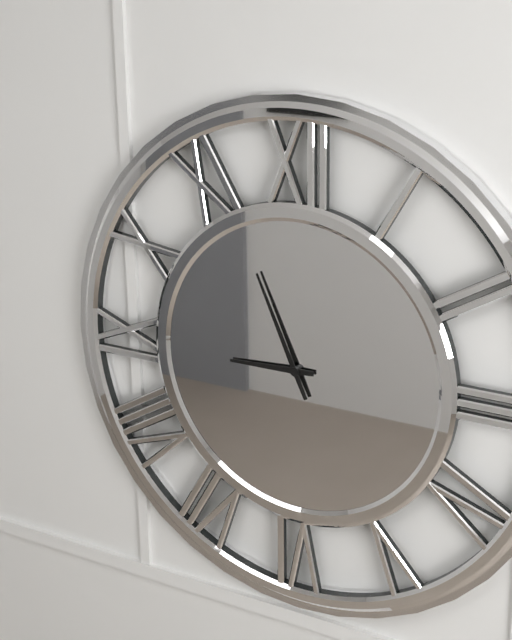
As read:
h=8 m=56
